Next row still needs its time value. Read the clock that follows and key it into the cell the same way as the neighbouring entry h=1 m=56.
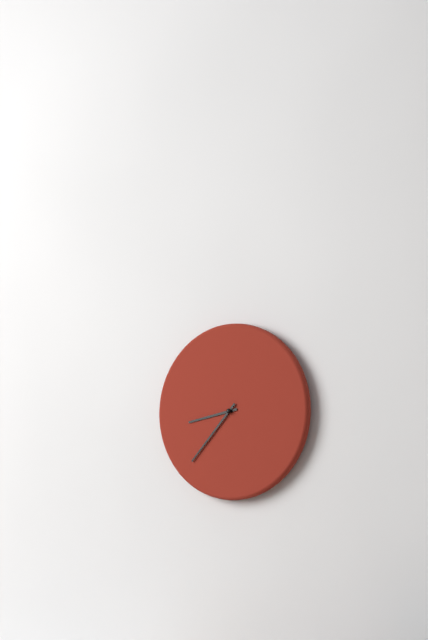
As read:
h=8 m=37
